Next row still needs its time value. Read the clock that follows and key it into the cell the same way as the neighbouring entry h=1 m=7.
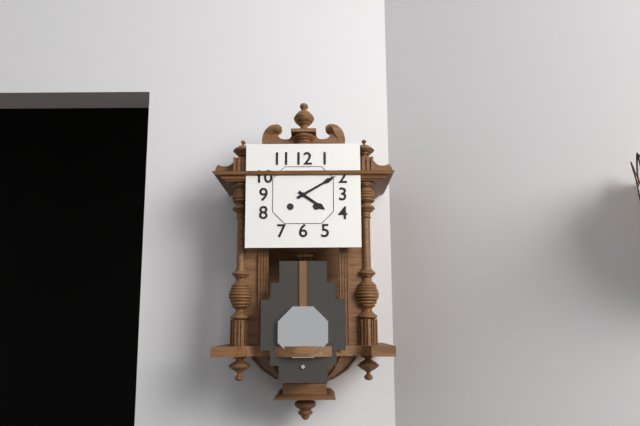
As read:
h=4 m=10
